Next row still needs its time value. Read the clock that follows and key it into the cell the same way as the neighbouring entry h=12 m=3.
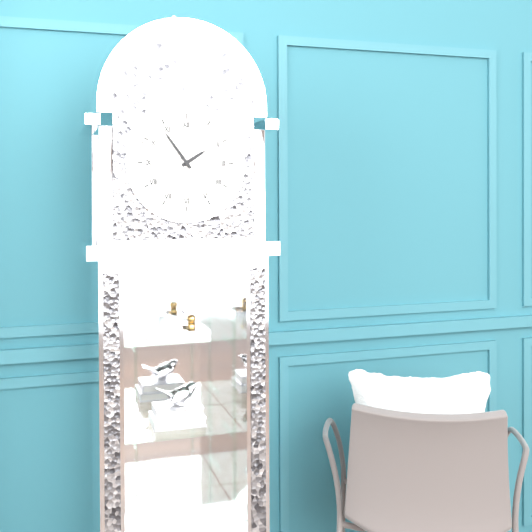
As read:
h=1 m=54
